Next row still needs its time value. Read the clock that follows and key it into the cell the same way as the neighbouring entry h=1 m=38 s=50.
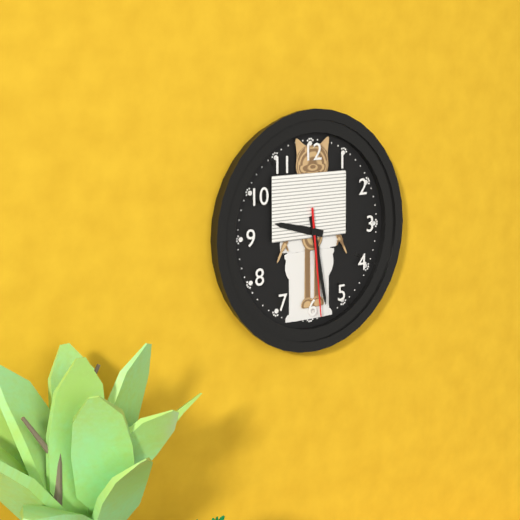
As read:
h=9 m=28 s=29
